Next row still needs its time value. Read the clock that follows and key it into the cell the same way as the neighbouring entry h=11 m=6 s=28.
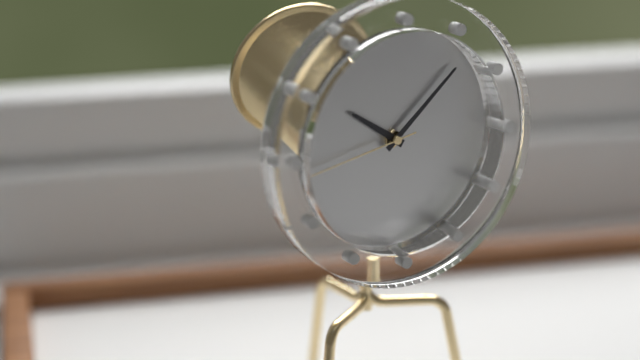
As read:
h=10 m=8 s=43
